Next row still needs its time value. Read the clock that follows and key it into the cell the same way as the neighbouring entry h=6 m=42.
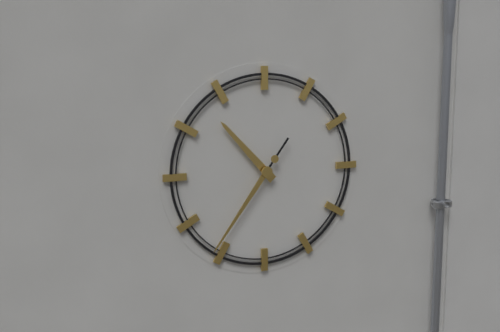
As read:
h=10 m=36
